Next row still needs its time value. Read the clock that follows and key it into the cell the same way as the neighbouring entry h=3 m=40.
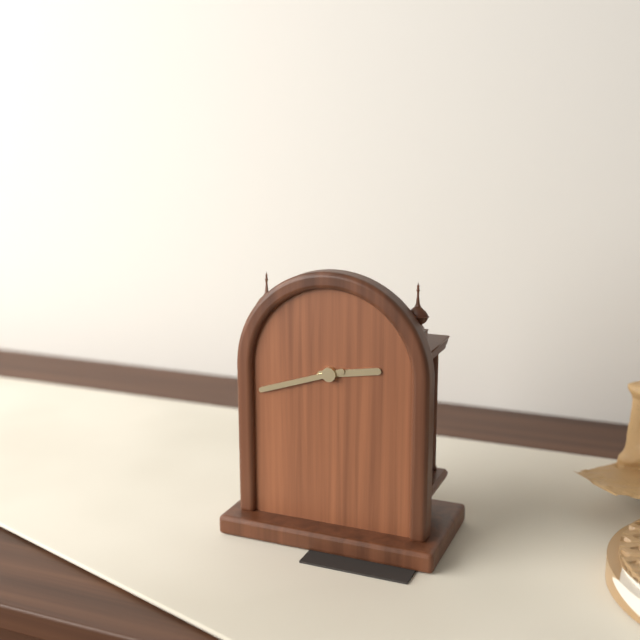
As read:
h=2 m=42
